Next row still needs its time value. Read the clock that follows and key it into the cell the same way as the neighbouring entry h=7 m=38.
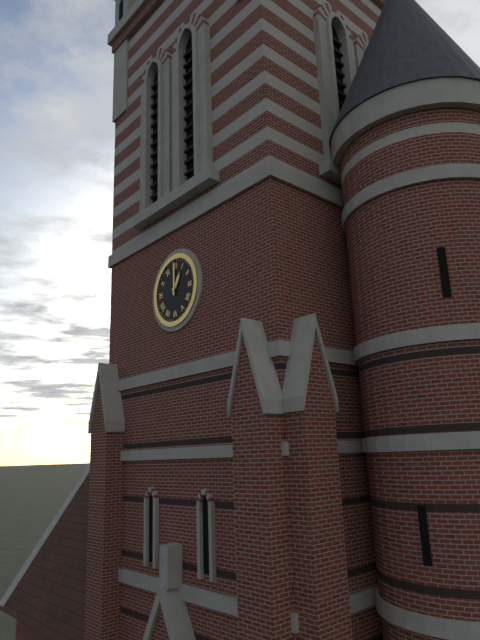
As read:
h=1 m=0
